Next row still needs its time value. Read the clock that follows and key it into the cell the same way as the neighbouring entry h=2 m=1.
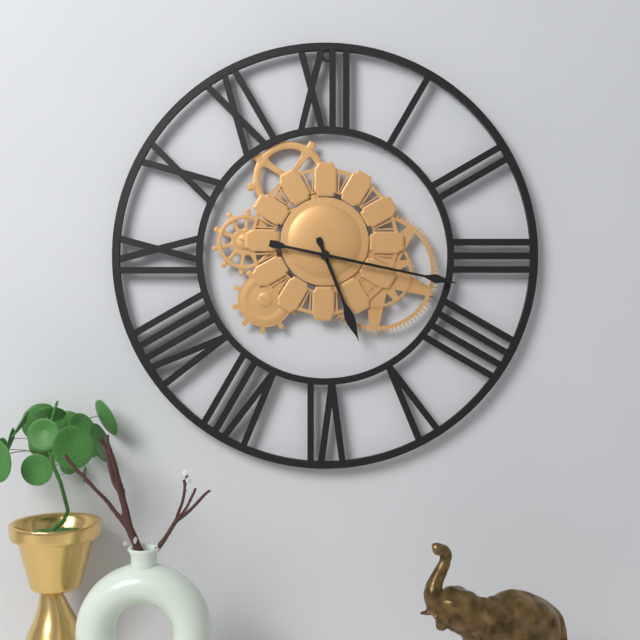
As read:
h=5 m=17
